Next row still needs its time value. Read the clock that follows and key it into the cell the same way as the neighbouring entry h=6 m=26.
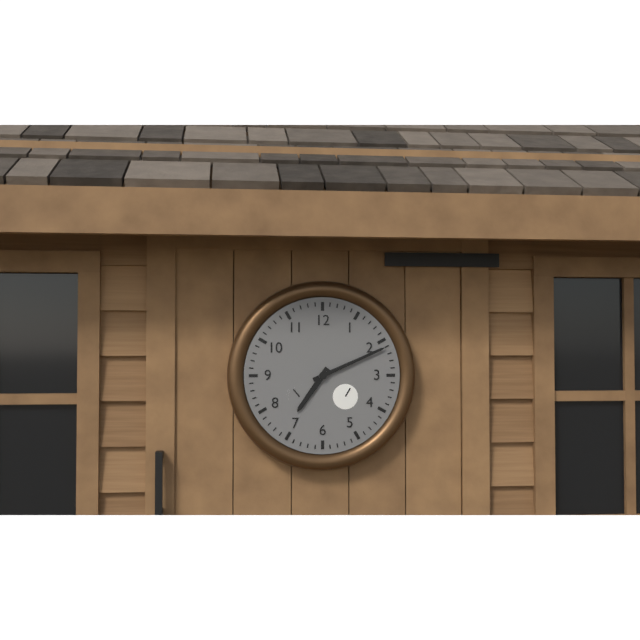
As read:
h=7 m=11
